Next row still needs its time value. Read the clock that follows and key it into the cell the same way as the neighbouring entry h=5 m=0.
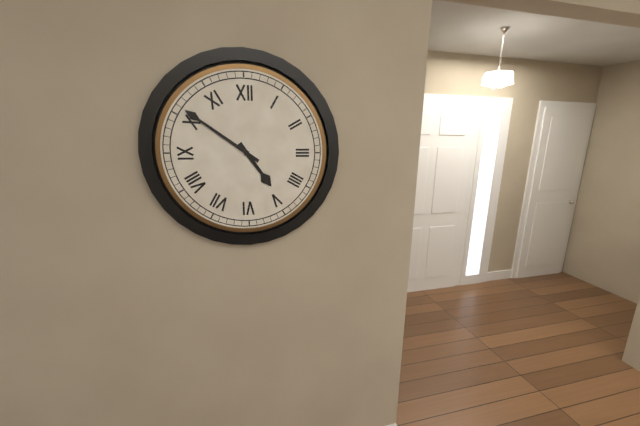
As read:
h=4 m=51
